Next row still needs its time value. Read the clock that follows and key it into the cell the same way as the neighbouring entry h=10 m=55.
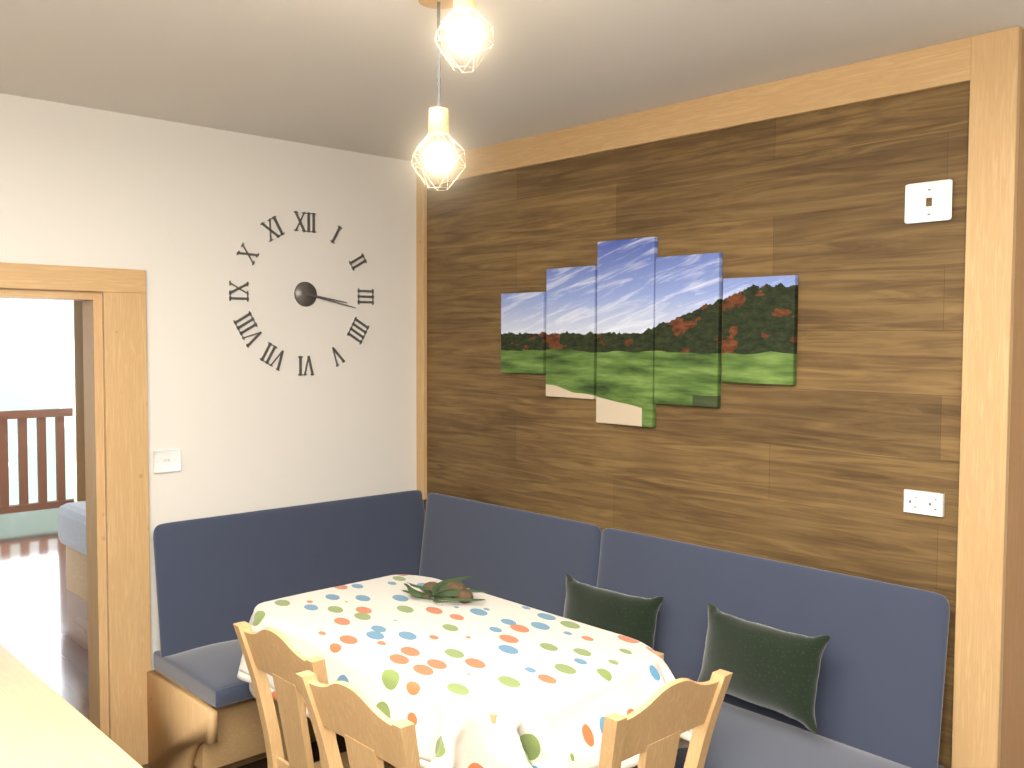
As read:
h=3 m=17
